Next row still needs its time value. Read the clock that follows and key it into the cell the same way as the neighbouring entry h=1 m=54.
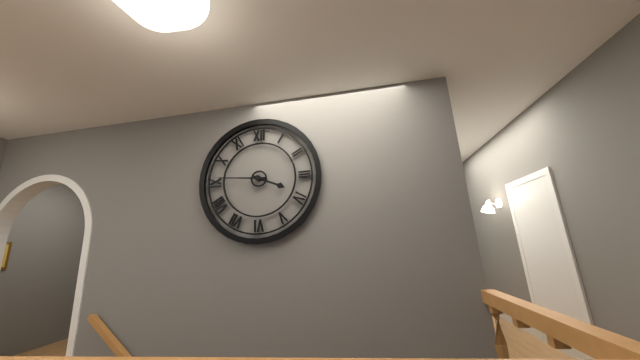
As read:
h=3 m=46
